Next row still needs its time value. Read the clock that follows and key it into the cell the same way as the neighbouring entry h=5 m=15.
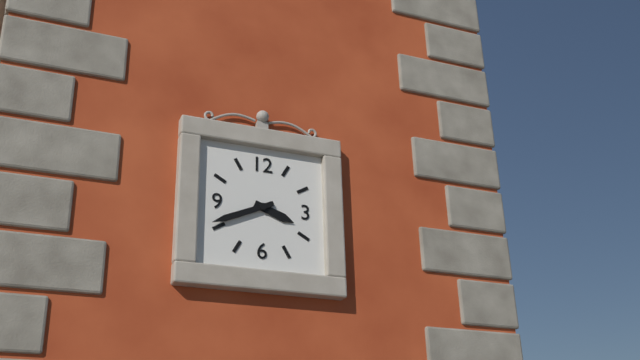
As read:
h=3 m=41
